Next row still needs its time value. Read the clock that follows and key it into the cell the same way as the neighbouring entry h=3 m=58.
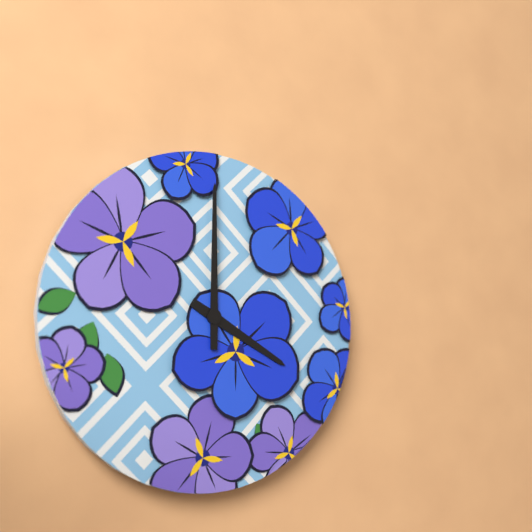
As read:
h=4 m=0
